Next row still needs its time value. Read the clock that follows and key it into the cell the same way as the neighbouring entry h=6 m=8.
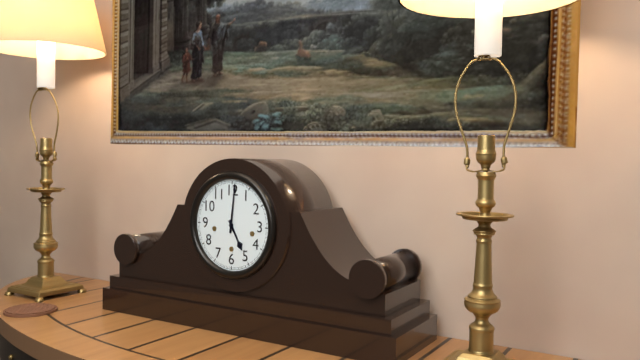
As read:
h=5 m=1
